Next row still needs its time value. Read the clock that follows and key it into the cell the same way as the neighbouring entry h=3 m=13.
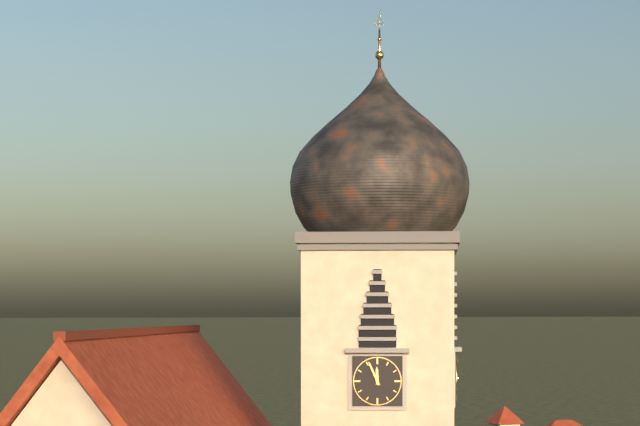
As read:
h=11 m=56
